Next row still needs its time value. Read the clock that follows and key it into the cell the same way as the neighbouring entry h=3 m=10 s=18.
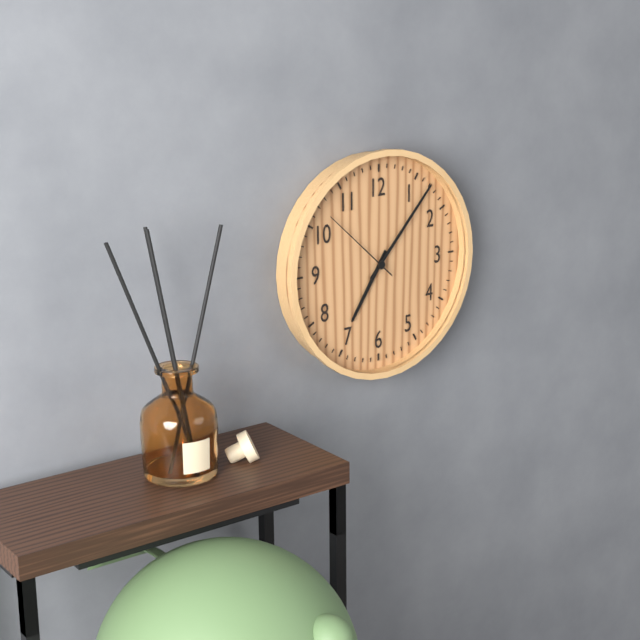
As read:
h=7 m=7 s=52
